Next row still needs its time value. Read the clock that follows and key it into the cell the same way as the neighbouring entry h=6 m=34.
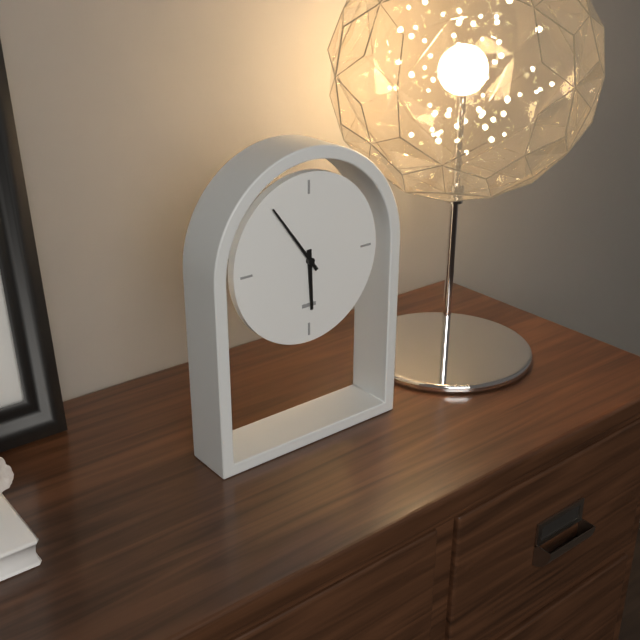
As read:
h=5 m=54
